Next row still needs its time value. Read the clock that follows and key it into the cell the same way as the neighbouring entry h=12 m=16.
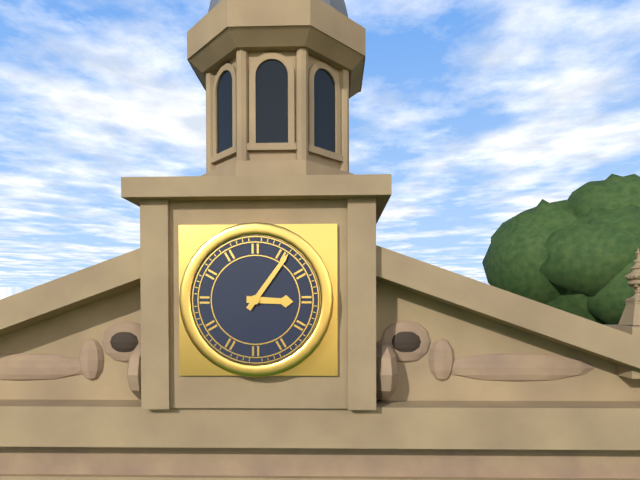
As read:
h=3 m=6
